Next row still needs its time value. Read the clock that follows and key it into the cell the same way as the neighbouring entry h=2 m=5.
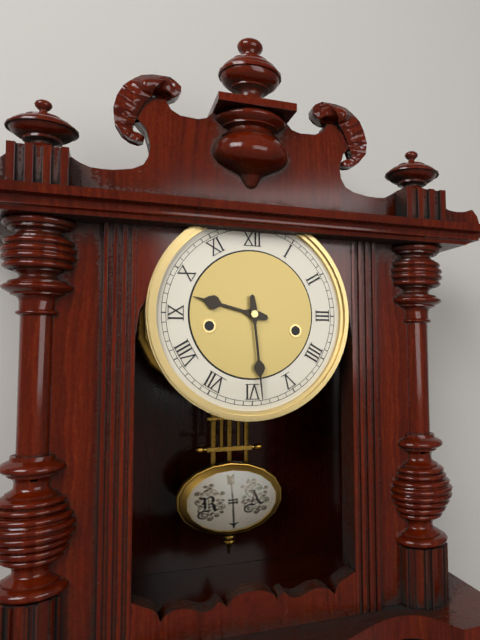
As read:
h=9 m=29
